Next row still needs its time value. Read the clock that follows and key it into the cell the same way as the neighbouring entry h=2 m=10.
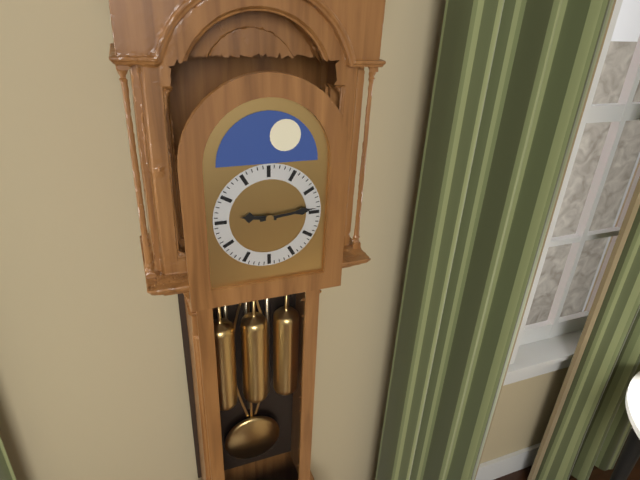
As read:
h=9 m=14
